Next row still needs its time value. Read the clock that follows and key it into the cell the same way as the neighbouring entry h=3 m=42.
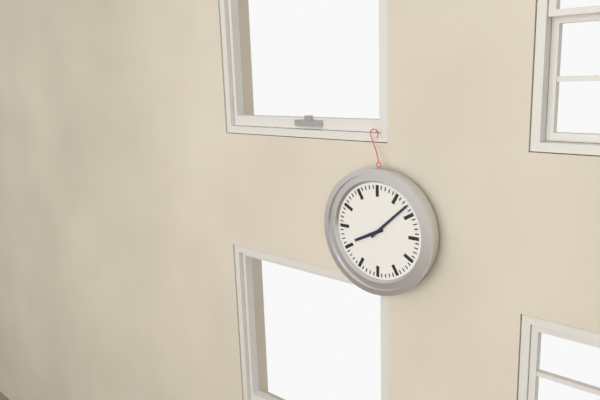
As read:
h=8 m=8
